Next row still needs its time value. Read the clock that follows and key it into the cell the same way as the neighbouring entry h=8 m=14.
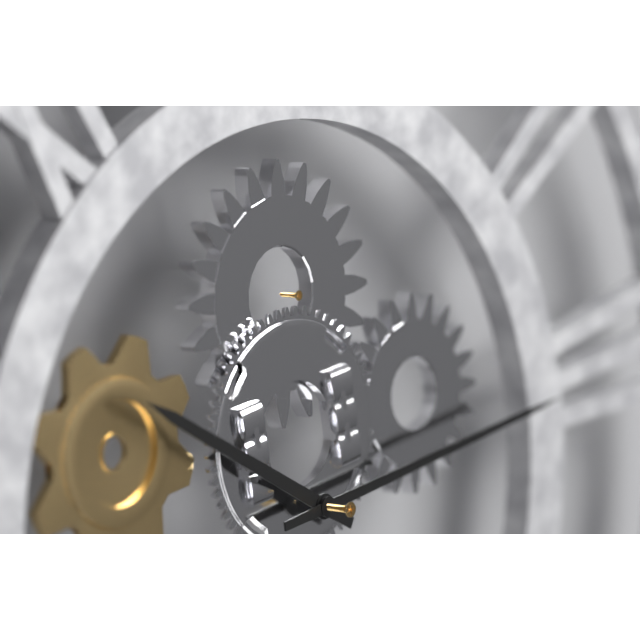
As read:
h=10 m=15
